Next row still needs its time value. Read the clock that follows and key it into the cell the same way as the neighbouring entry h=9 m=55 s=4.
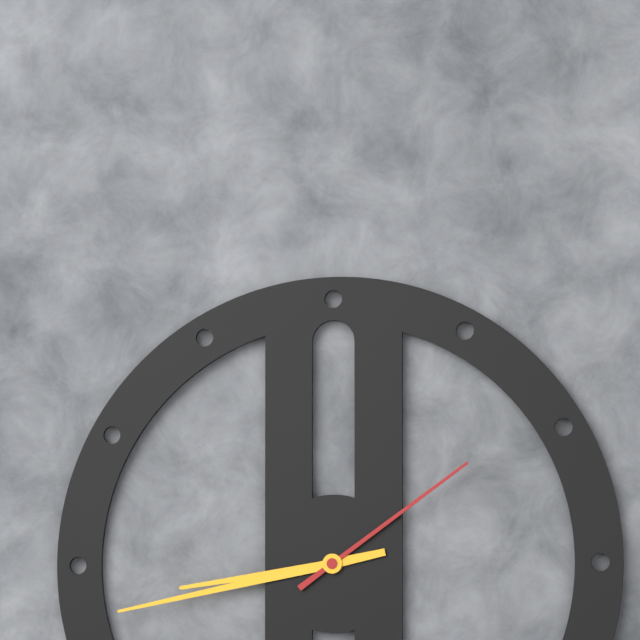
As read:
h=8 m=43 s=9
